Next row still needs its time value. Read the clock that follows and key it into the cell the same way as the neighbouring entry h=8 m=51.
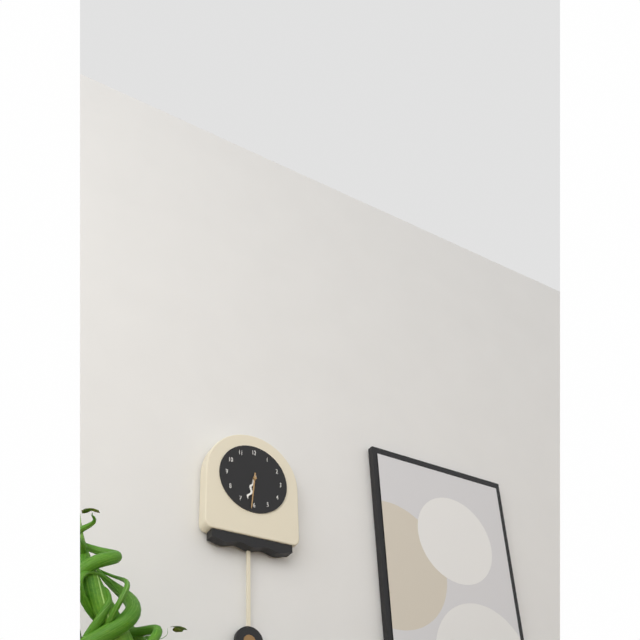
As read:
h=6 m=31
